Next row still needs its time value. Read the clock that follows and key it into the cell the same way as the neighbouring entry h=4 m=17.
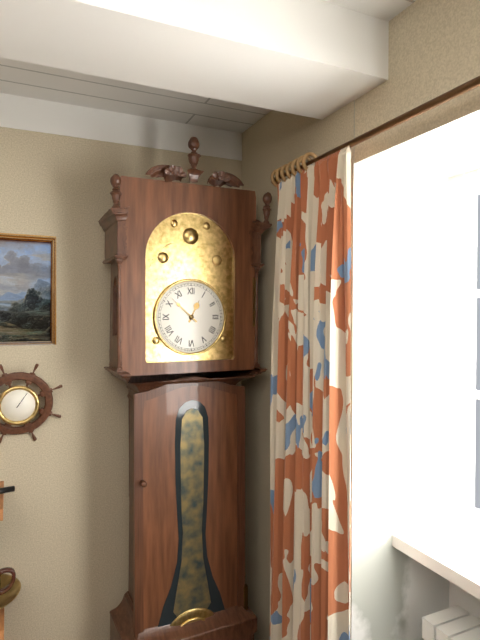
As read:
h=12 m=52
